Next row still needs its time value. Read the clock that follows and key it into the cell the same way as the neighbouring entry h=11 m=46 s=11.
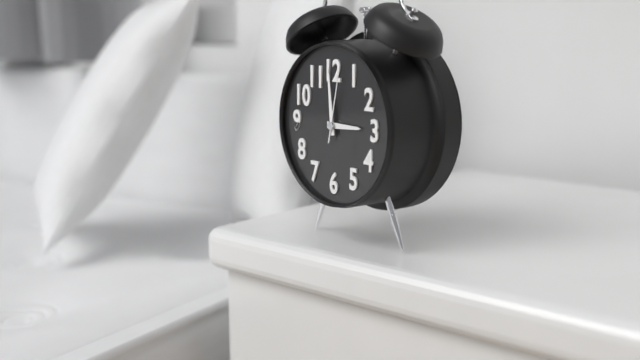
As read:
h=2 m=59 s=2
